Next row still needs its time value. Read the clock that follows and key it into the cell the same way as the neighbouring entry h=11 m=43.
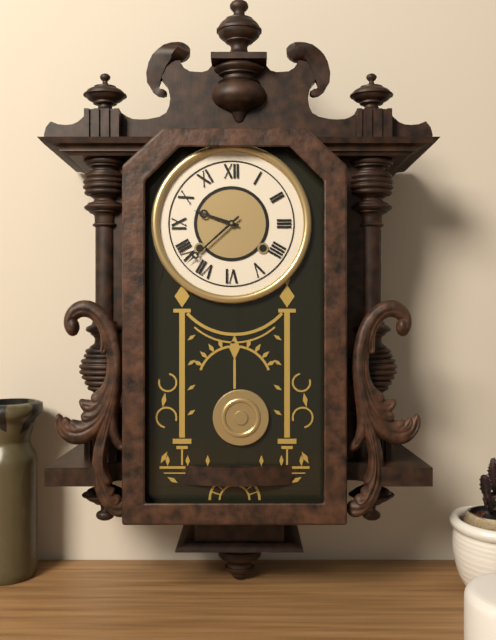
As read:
h=9 m=38
